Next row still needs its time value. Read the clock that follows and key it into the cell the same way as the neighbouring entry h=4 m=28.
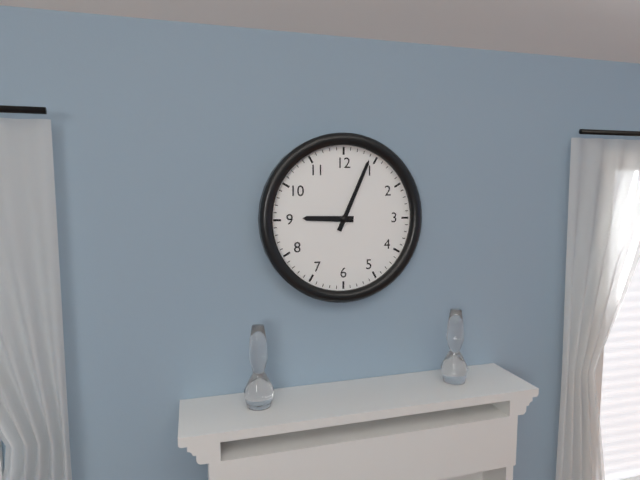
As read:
h=9 m=4
